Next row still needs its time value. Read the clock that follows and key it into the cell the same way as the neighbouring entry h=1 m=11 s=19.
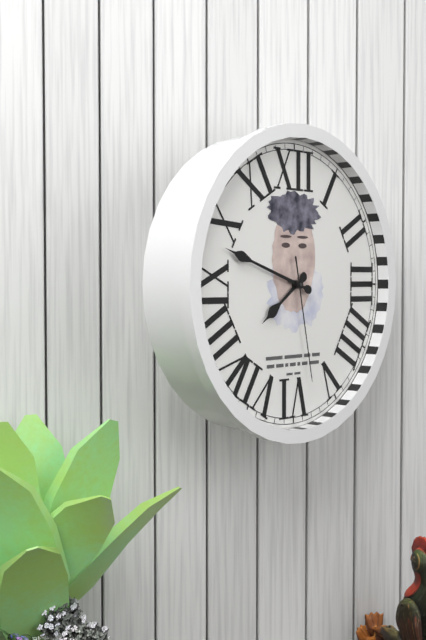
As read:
h=7 m=48 s=28
